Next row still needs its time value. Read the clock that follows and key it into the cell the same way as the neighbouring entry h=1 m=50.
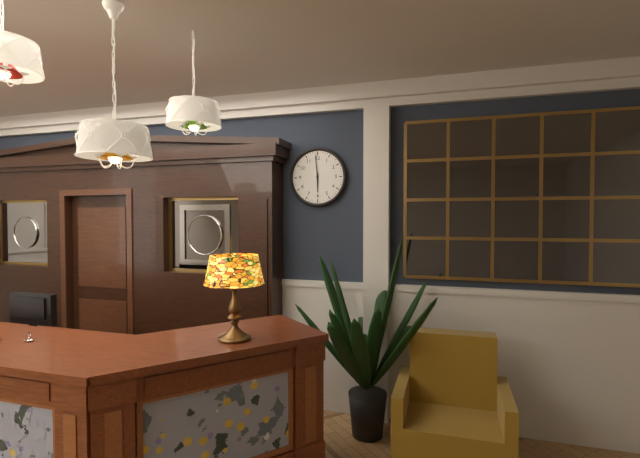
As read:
h=5 m=59
